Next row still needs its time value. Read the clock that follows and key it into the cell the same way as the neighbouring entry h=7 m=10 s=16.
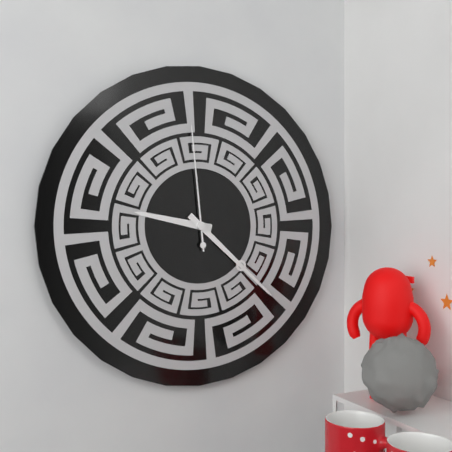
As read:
h=9 m=22 s=59
